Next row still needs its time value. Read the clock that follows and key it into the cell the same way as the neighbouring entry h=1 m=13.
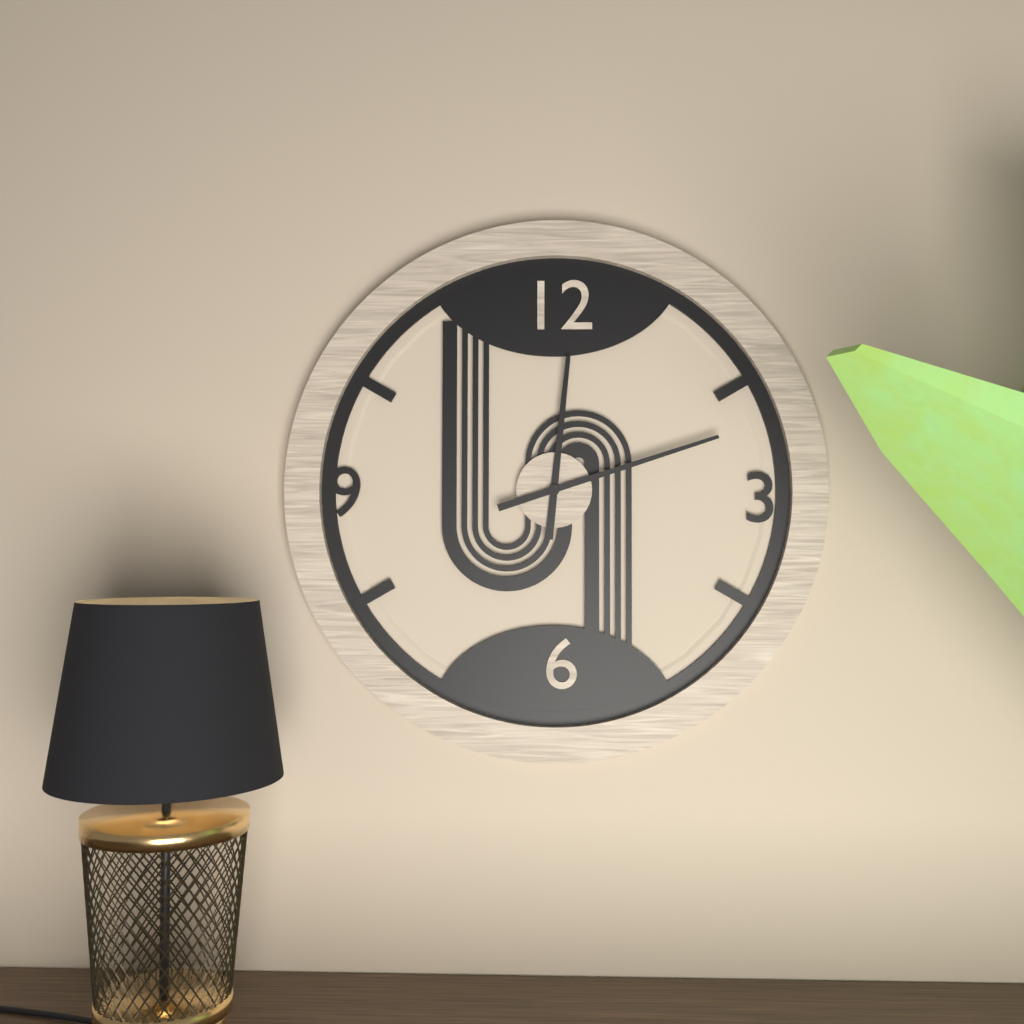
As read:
h=12 m=12
